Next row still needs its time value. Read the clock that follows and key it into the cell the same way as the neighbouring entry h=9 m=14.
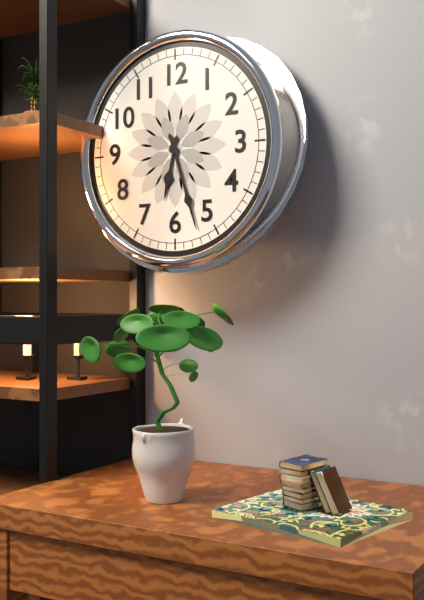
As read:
h=6 m=27
